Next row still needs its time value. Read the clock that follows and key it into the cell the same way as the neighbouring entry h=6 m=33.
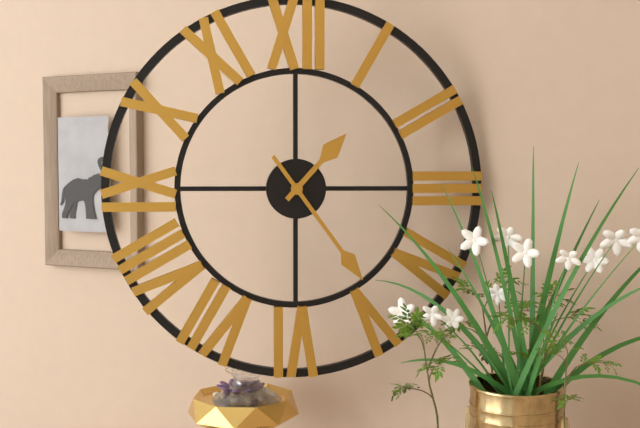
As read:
h=1 m=24
